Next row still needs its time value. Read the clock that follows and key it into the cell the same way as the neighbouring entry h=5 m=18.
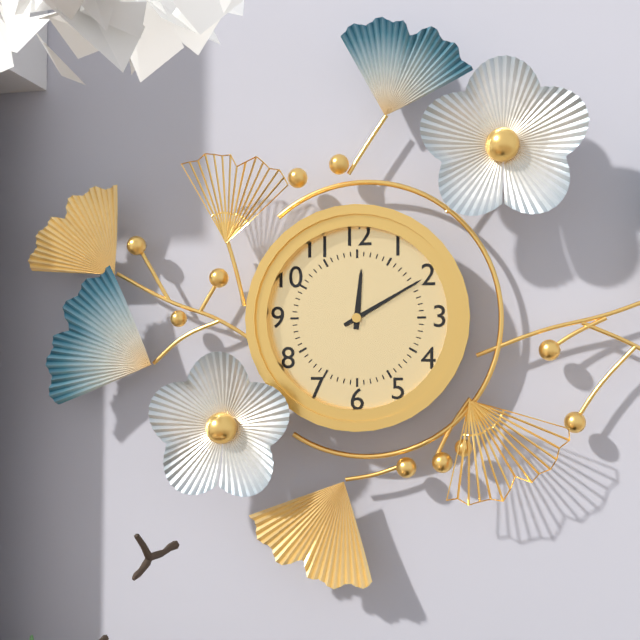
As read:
h=12 m=10
